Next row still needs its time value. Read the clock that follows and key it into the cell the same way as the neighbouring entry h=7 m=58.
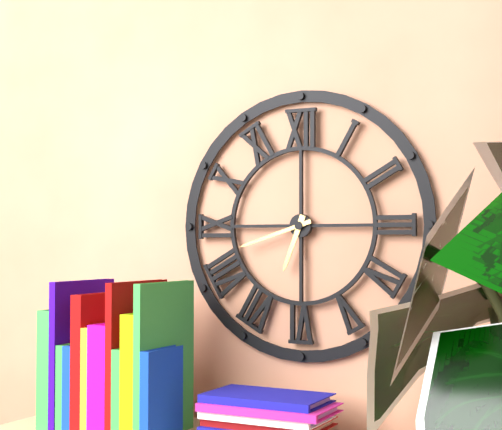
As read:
h=6 m=42
